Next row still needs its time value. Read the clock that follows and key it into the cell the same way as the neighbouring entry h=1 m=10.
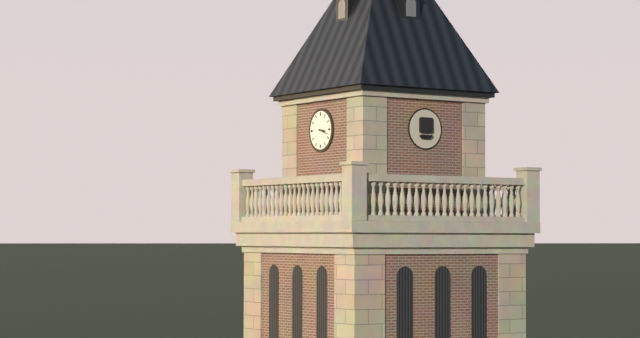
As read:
h=3 m=18
